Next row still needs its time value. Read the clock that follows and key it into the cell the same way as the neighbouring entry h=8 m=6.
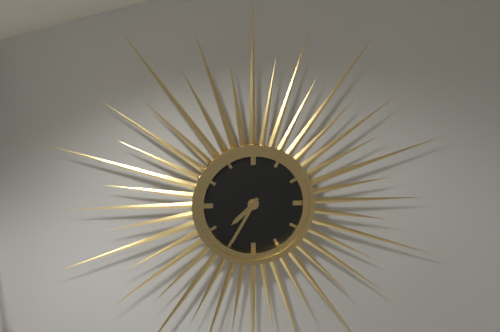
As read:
h=7 m=35
